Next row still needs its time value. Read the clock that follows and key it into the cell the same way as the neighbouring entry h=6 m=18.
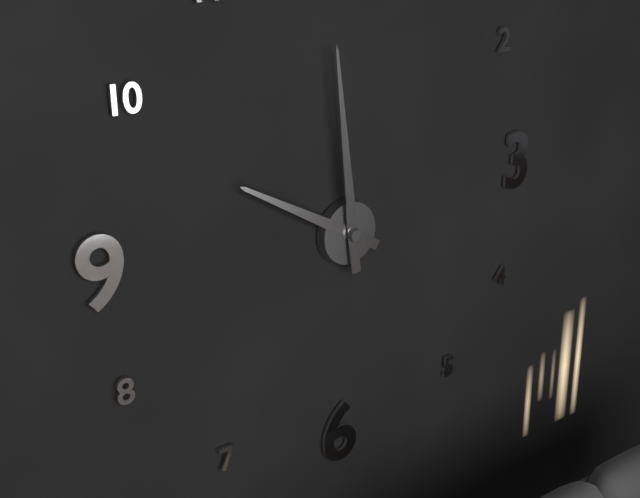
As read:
h=9 m=59
